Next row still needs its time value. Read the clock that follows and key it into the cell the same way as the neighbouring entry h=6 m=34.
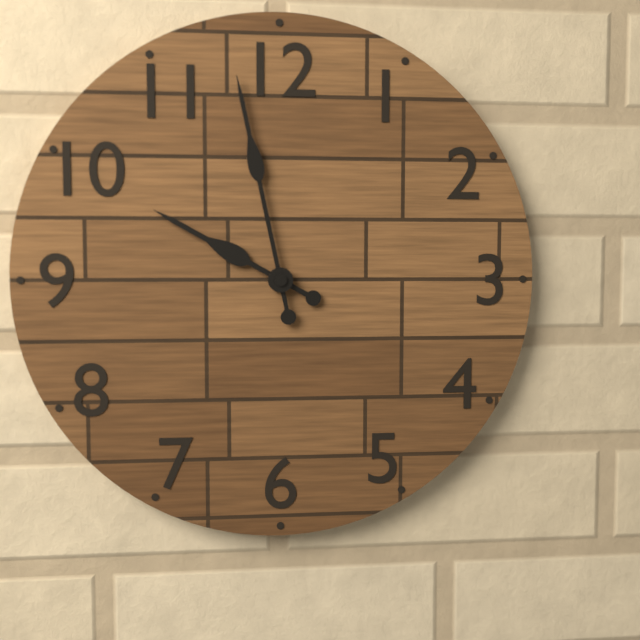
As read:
h=9 m=58
